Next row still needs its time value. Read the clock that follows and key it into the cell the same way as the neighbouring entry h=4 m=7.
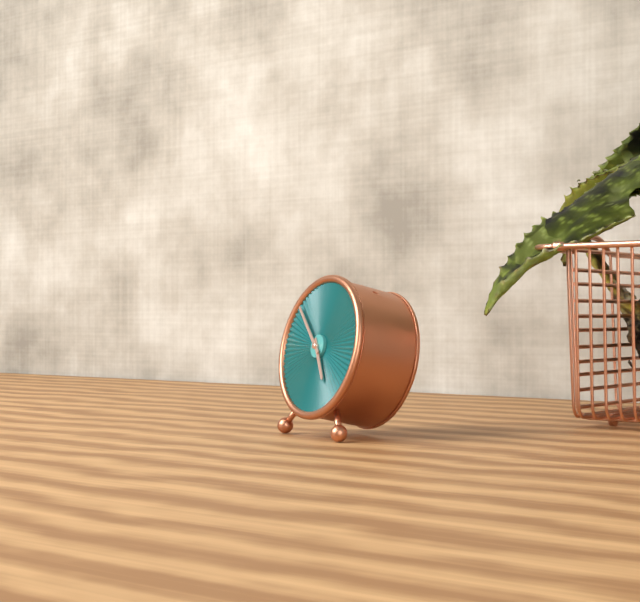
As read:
h=4 m=52
